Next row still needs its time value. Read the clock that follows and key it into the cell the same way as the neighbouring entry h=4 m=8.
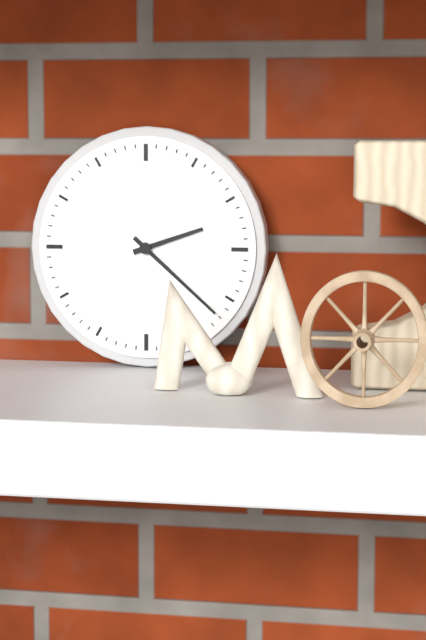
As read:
h=2 m=22
